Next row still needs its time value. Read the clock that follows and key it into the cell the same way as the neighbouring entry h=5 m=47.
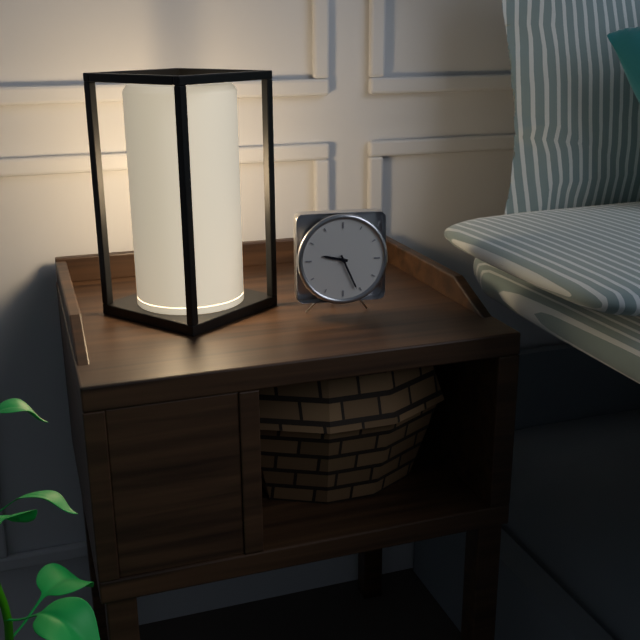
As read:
h=9 m=26
